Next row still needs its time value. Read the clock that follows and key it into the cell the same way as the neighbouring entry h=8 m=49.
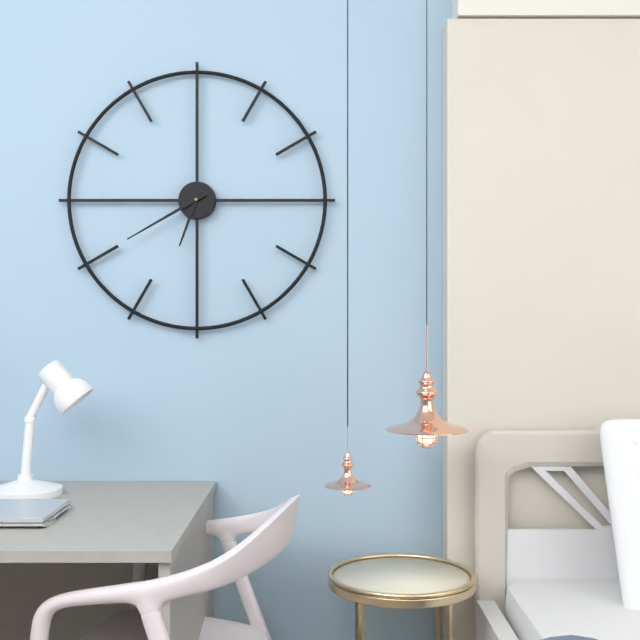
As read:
h=6 m=40
